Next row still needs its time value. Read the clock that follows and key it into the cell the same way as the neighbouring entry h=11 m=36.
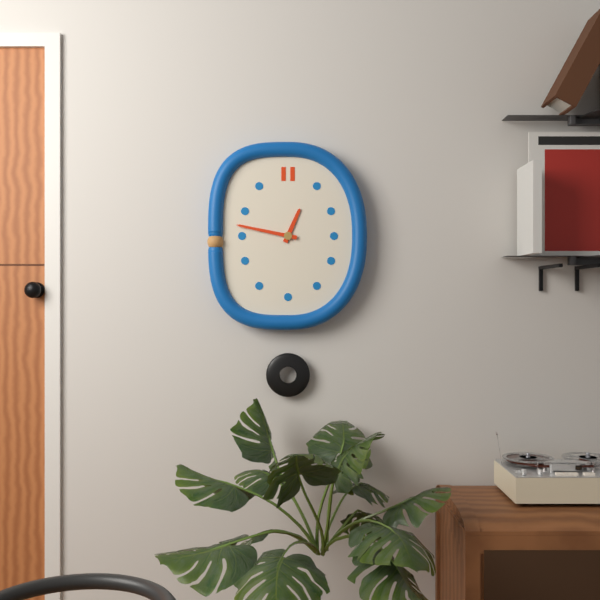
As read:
h=12 m=47
